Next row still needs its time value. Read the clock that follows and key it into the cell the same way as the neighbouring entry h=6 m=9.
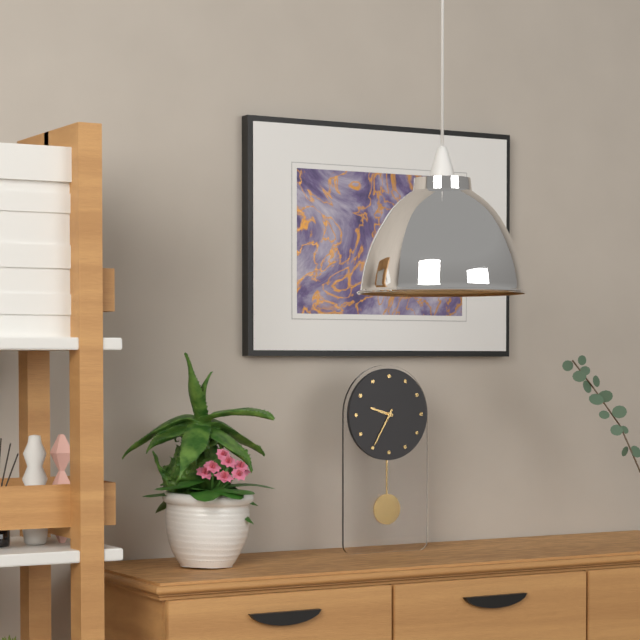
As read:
h=9 m=35
